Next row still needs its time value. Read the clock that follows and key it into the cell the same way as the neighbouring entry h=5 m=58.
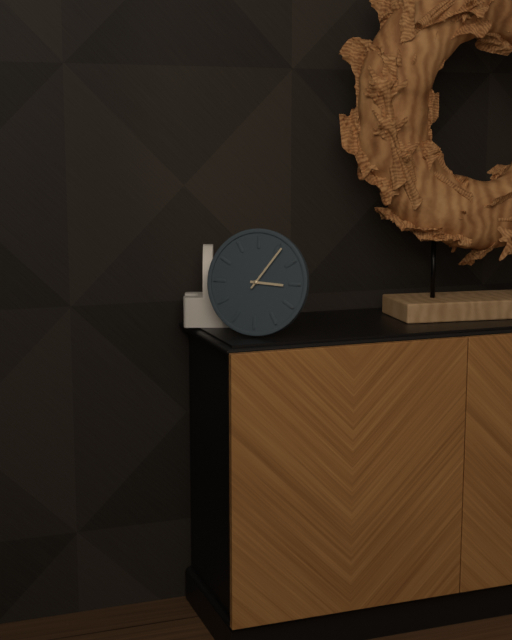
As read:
h=3 m=6
